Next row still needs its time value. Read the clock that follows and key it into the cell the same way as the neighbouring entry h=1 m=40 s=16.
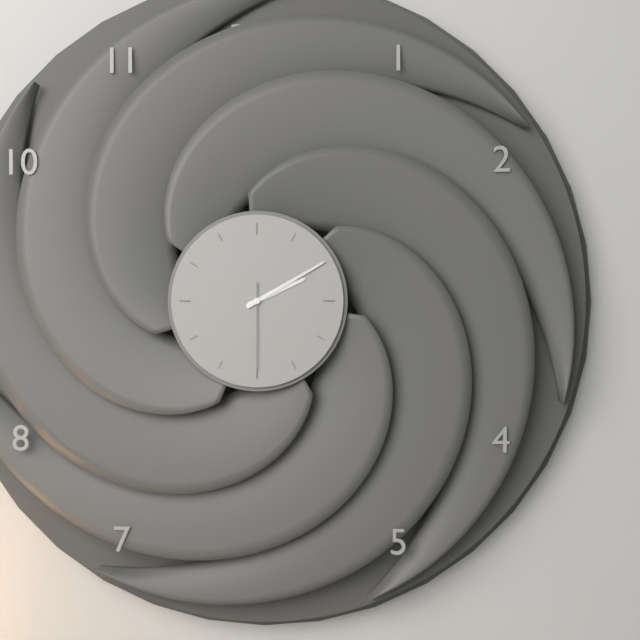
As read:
h=2 m=10 s=30
